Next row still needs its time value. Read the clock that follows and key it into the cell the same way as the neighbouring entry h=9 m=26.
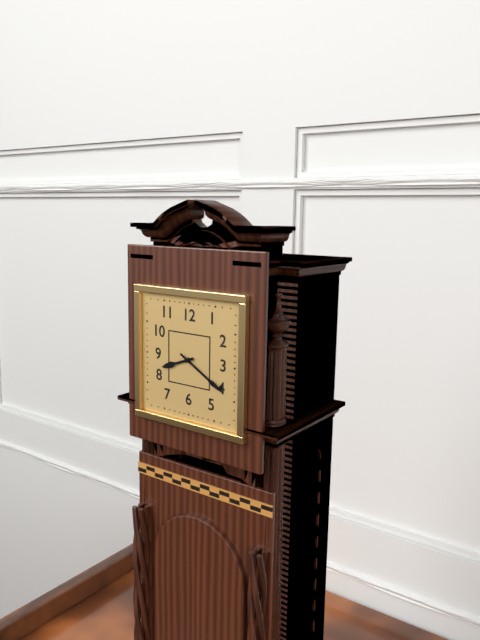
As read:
h=8 m=20
